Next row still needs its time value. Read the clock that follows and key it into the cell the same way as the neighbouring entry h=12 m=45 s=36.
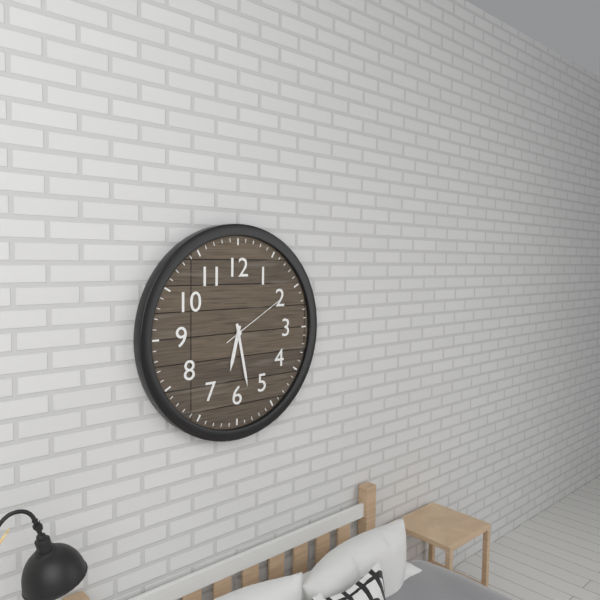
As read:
h=6 m=28 s=10
